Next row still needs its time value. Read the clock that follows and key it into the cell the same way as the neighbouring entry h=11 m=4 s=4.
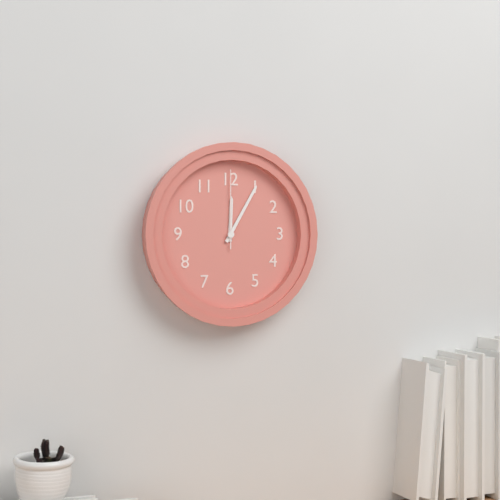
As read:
h=12 m=5 s=0
